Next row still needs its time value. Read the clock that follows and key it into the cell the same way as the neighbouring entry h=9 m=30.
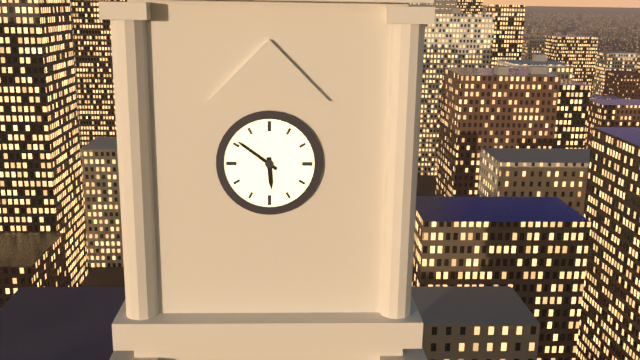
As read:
h=5 m=51
